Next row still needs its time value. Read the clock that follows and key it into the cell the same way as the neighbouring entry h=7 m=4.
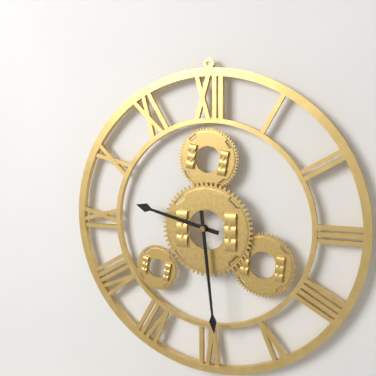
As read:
h=9 m=29
